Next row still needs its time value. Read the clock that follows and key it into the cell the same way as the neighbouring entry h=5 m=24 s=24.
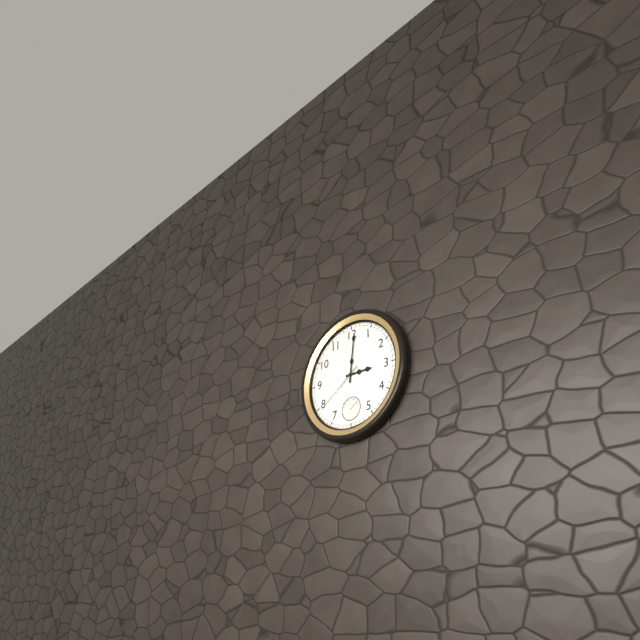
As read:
h=3 m=1 s=39
